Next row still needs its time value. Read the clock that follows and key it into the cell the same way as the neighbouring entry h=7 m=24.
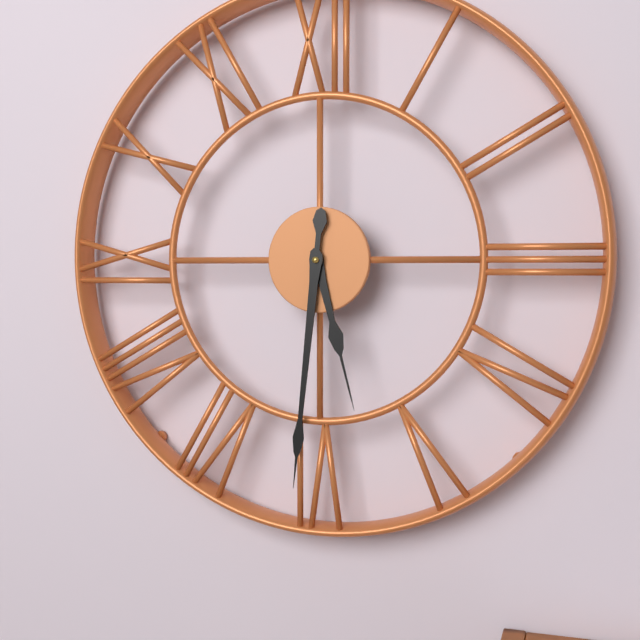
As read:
h=5 m=31
